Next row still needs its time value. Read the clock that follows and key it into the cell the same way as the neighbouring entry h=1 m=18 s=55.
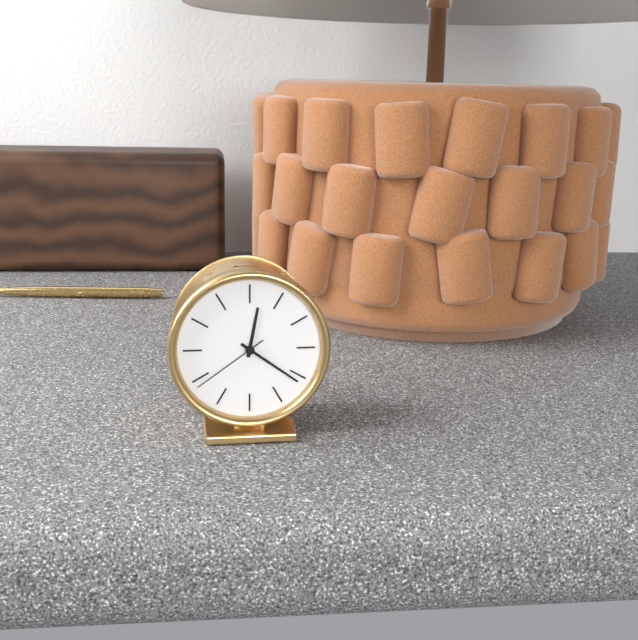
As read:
h=12 m=21 s=39
